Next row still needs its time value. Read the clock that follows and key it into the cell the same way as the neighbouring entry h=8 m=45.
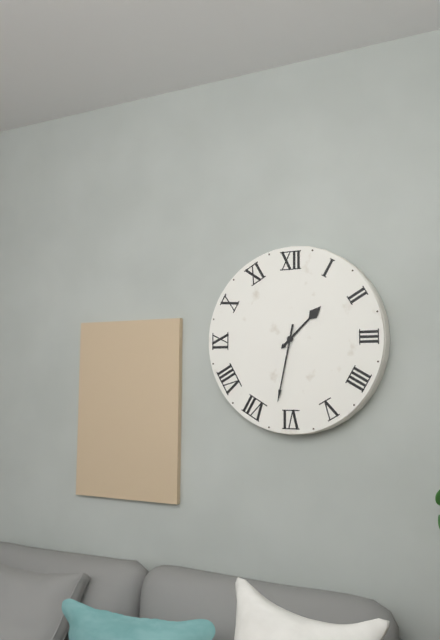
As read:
h=1 m=32
